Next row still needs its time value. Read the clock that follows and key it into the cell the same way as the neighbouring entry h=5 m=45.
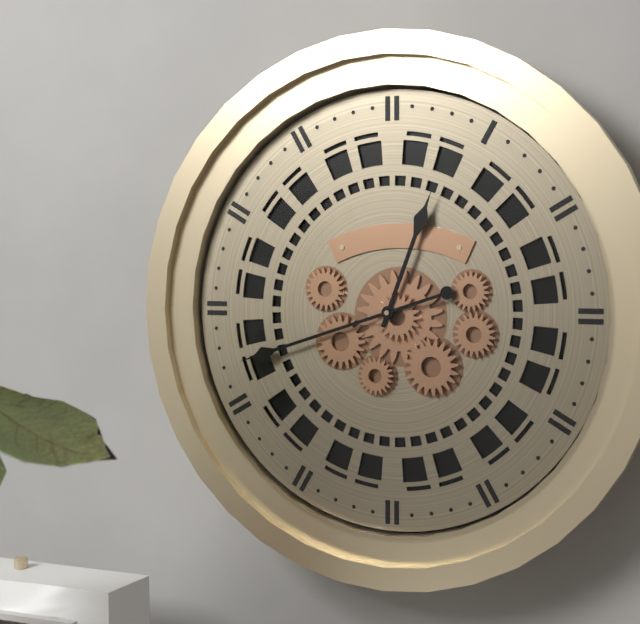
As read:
h=12 m=42
